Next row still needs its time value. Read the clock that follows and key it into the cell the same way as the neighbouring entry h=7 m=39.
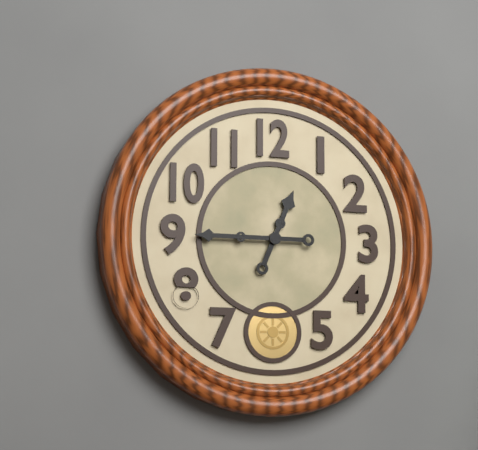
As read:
h=12 m=45
